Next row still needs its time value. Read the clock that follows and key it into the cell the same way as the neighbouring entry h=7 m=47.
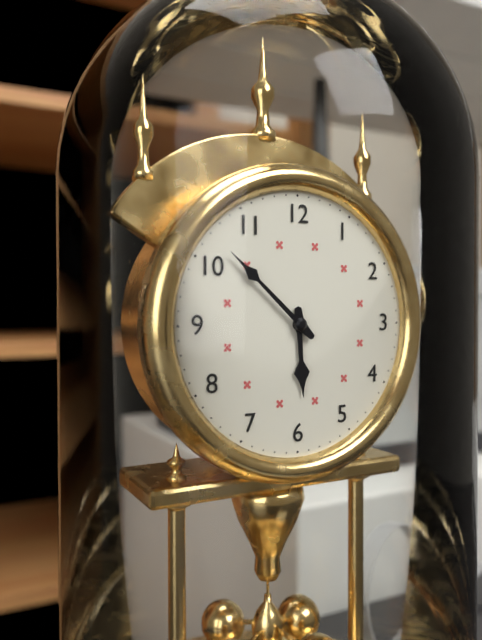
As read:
h=5 m=52
